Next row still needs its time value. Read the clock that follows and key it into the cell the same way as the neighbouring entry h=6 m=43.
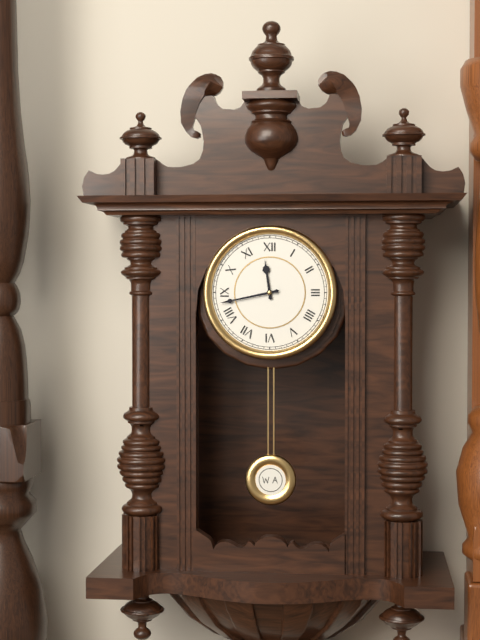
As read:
h=11 m=43
